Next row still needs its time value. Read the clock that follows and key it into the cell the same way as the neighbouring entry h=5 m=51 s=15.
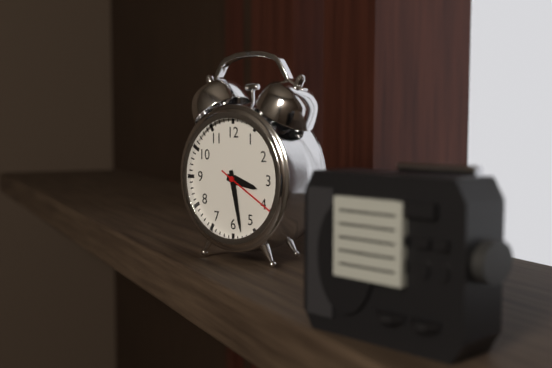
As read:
h=3 m=28 s=20
